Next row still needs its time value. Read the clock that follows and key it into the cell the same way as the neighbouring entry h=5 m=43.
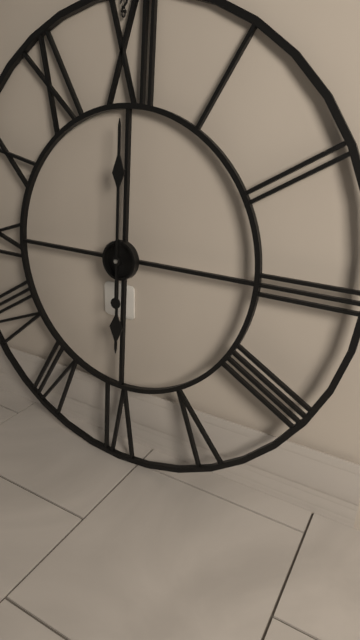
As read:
h=6 m=0
